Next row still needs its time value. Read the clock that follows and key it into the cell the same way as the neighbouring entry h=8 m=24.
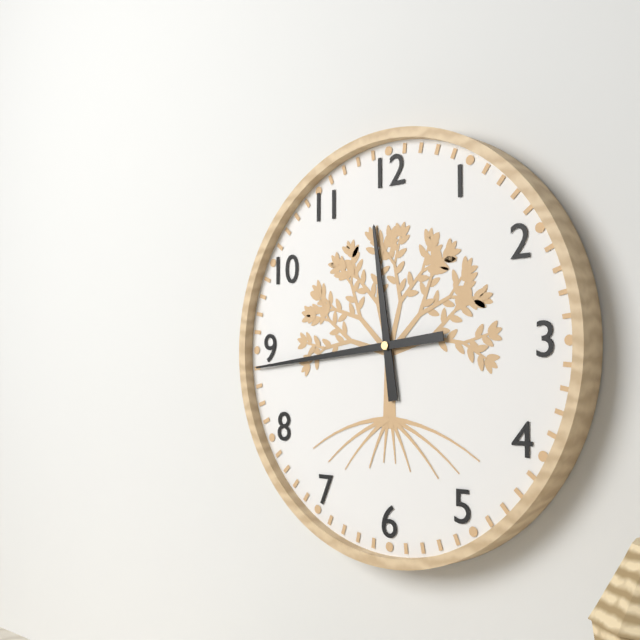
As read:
h=11 m=44
